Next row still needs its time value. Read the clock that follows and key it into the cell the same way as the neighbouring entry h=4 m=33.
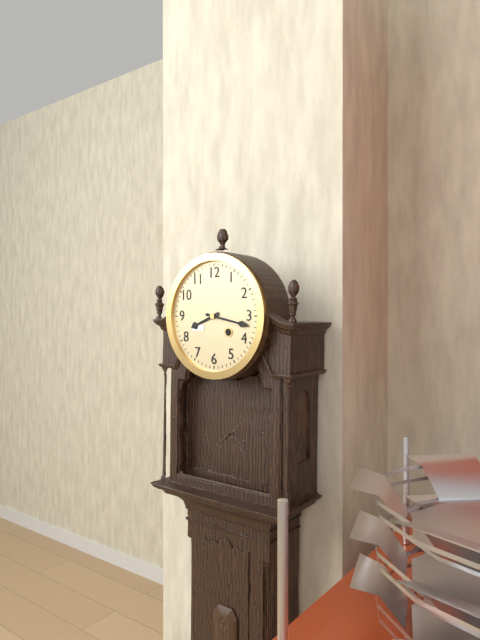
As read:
h=8 m=17
